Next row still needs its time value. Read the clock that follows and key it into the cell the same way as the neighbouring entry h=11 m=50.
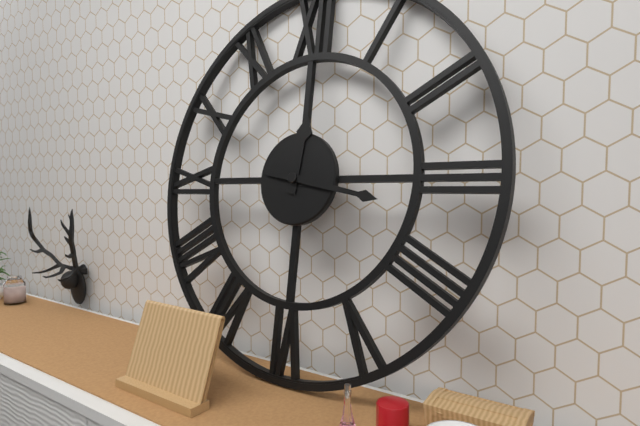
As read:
h=12 m=17
